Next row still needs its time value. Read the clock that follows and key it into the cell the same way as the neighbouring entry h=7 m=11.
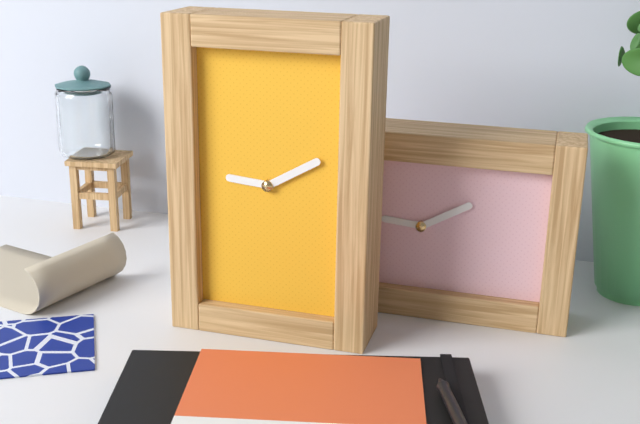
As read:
h=9 m=10
